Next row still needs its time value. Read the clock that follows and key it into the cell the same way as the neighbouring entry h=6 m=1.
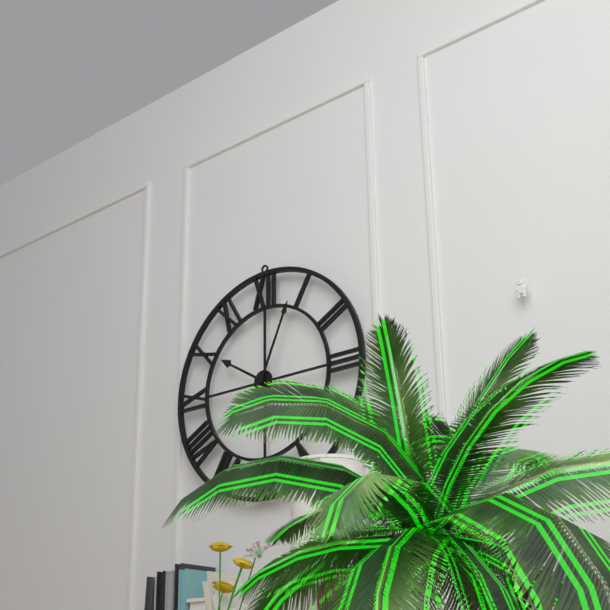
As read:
h=10 m=4
